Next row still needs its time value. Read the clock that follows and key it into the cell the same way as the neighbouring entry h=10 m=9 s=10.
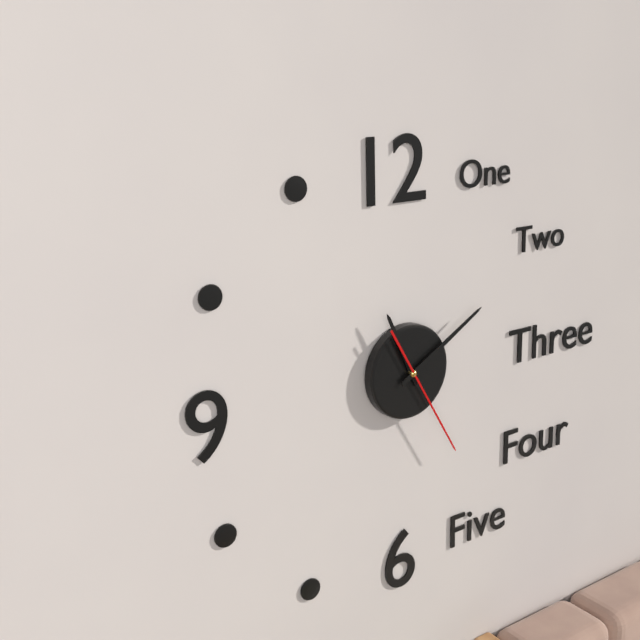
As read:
h=11 m=10 s=25
